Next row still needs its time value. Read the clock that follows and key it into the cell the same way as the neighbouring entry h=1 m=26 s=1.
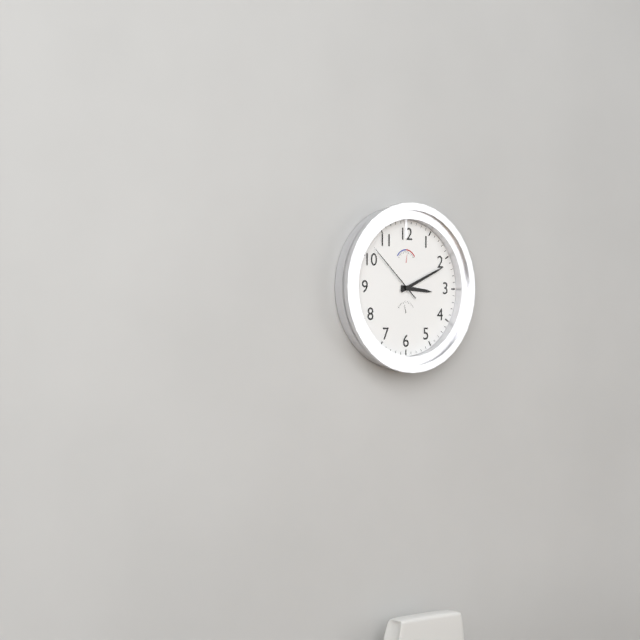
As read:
h=3 m=11 s=52
